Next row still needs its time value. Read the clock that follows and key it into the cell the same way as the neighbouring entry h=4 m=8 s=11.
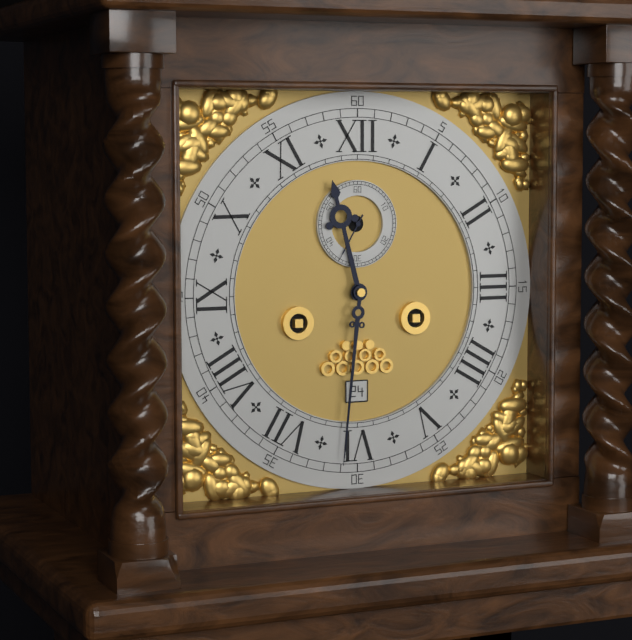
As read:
h=11 m=31 s=35
